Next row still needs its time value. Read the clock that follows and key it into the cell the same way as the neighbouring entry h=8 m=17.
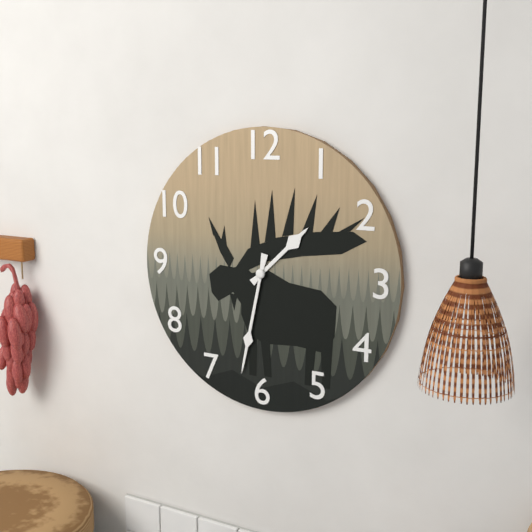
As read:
h=1 m=32
